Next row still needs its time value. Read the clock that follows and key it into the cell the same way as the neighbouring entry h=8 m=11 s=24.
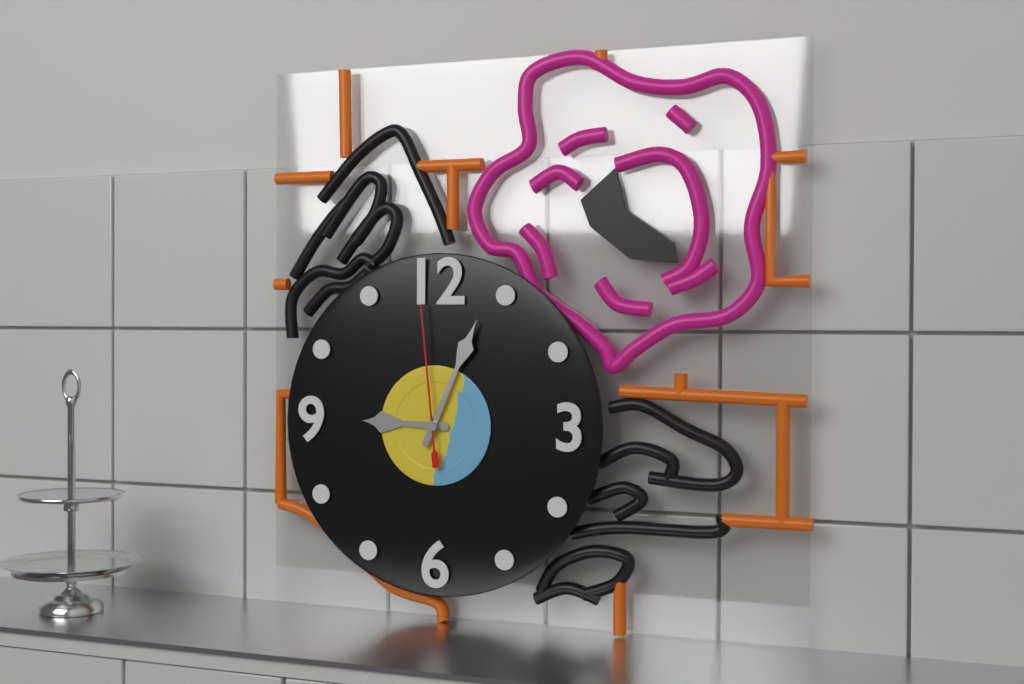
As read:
h=9 m=4 s=59
